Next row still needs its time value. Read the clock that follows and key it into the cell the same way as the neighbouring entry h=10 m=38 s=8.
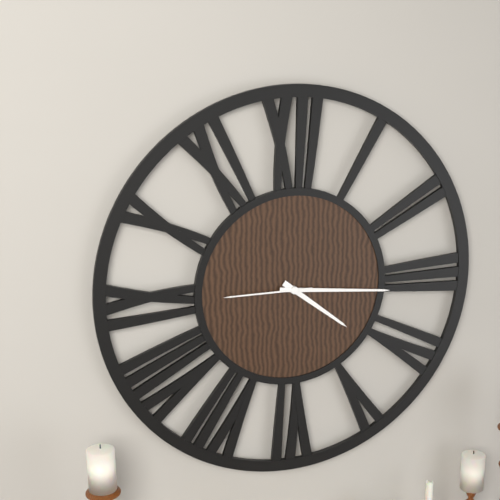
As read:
h=4 m=16 s=45
